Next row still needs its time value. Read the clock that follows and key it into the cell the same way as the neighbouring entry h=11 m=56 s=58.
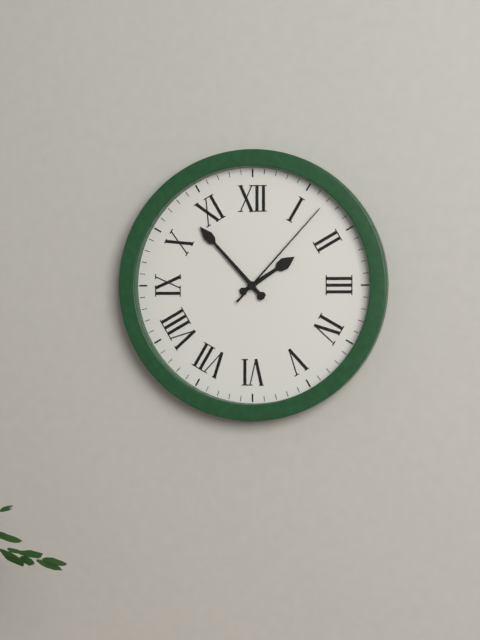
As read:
h=1 m=53 s=7
